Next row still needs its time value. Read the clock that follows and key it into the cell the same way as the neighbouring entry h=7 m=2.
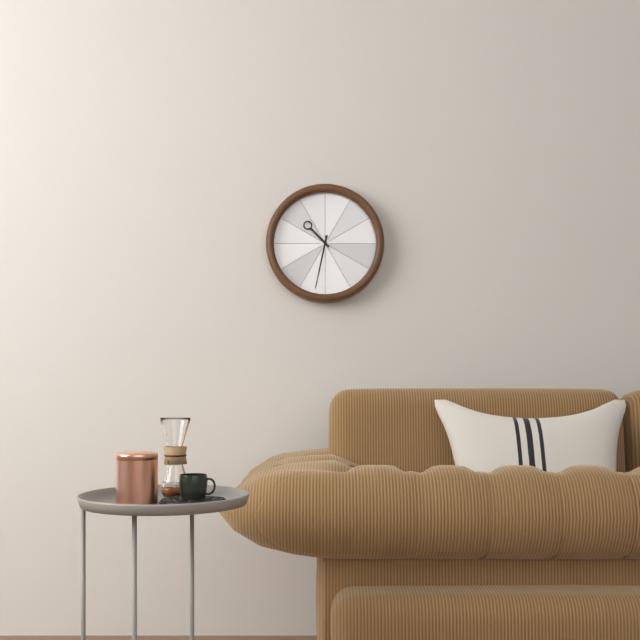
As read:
h=10 m=32
